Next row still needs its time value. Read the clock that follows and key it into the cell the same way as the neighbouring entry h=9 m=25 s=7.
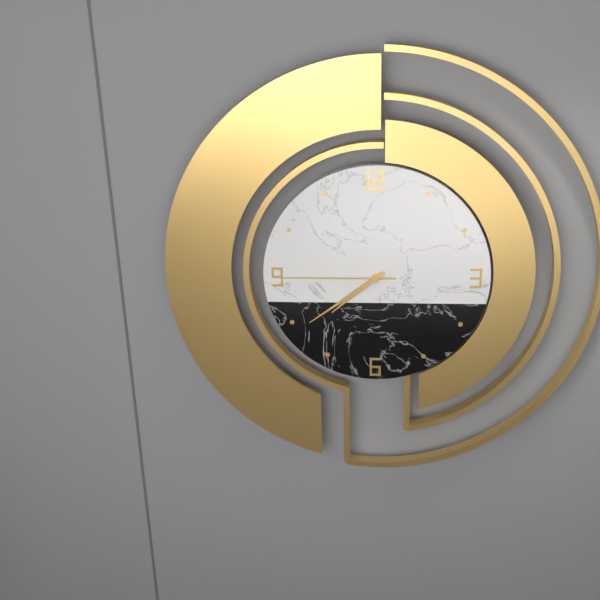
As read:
h=7 m=39 s=45
